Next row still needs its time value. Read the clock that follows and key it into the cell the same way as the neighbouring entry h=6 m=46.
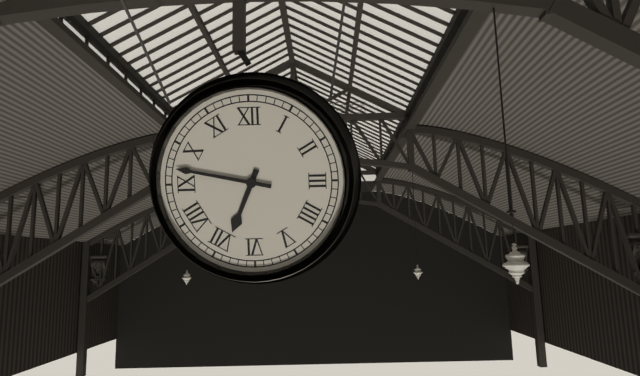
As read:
h=6 m=47
